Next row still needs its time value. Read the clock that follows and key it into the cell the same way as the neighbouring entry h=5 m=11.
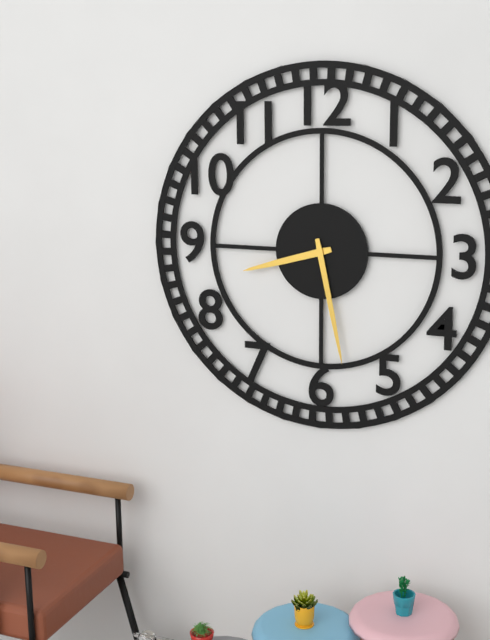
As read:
h=8 m=28
